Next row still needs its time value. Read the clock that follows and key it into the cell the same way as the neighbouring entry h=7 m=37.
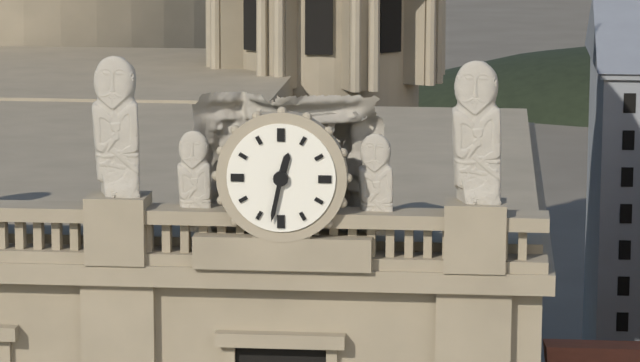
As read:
h=12 m=32
